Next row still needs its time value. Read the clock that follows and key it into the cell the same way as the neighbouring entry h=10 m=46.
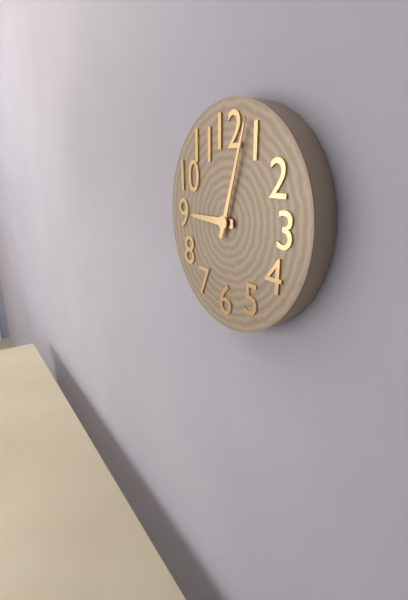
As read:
h=9 m=3
